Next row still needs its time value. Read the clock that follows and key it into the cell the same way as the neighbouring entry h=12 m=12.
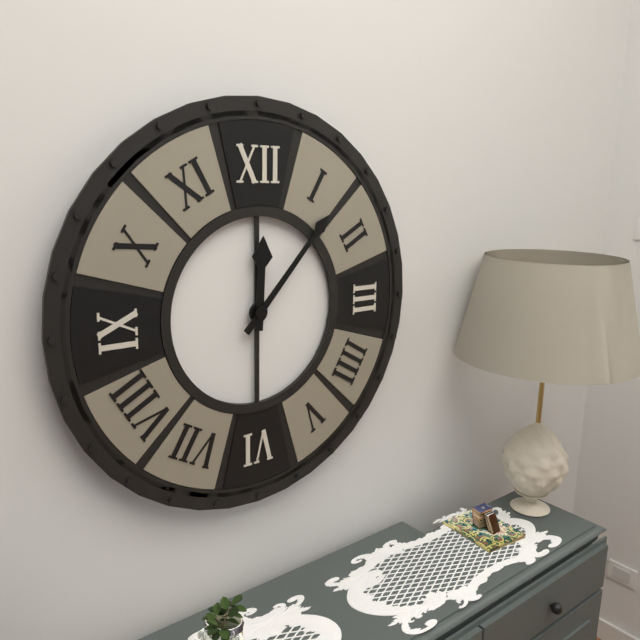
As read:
h=12 m=7
